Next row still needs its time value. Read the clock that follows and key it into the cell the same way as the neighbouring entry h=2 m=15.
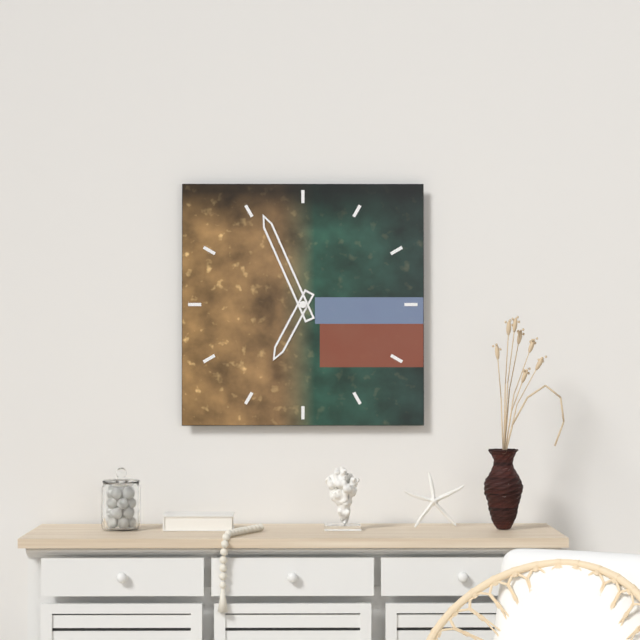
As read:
h=6 m=56
